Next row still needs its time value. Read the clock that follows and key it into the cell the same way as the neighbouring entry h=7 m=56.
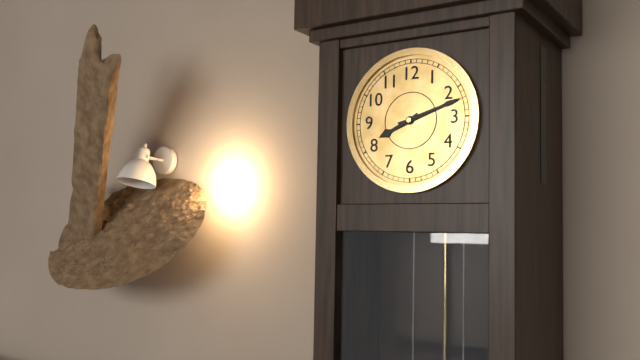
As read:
h=8 m=12
